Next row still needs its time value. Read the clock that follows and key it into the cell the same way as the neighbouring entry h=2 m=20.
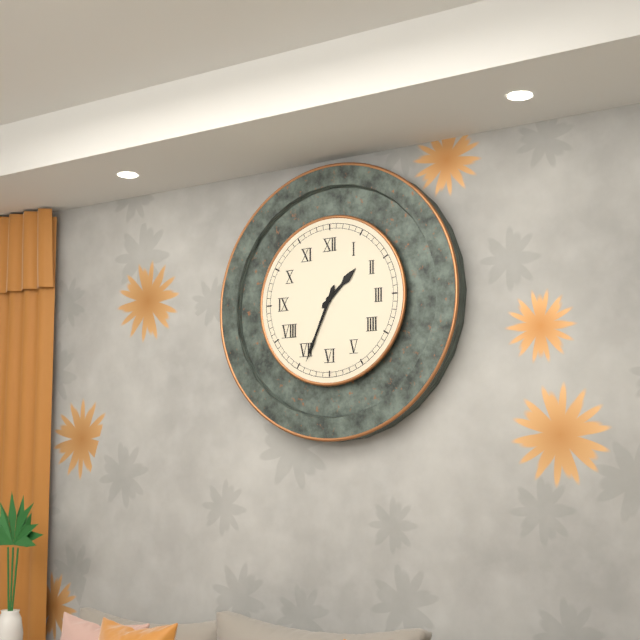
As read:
h=1 m=34
